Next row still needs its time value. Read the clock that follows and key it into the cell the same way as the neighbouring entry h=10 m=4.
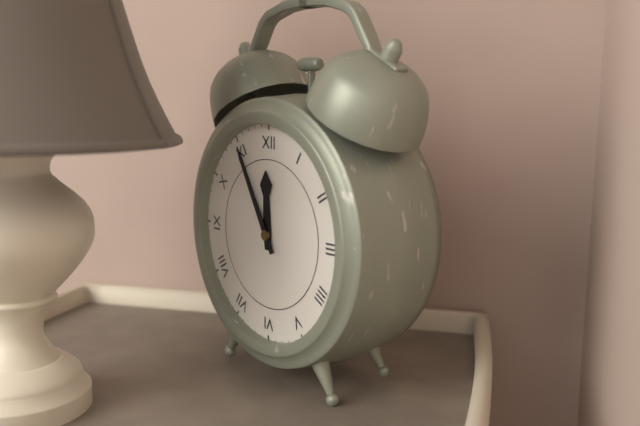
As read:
h=11 m=55
